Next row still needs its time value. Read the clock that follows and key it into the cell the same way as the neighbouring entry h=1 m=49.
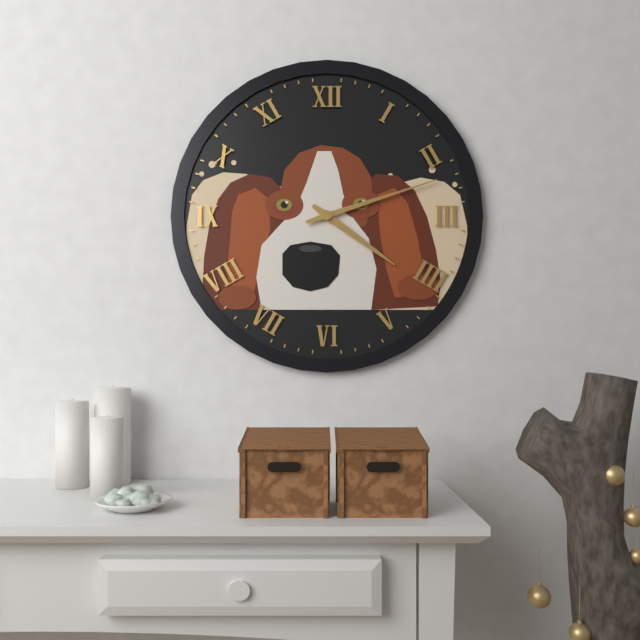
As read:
h=4 m=12
